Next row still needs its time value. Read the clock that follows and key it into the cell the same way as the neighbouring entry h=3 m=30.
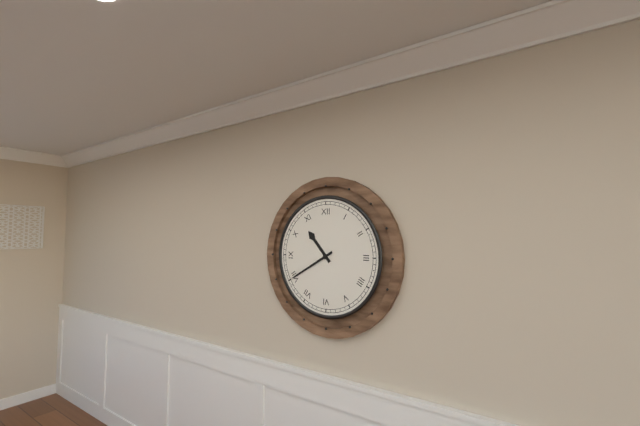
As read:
h=10 m=40
